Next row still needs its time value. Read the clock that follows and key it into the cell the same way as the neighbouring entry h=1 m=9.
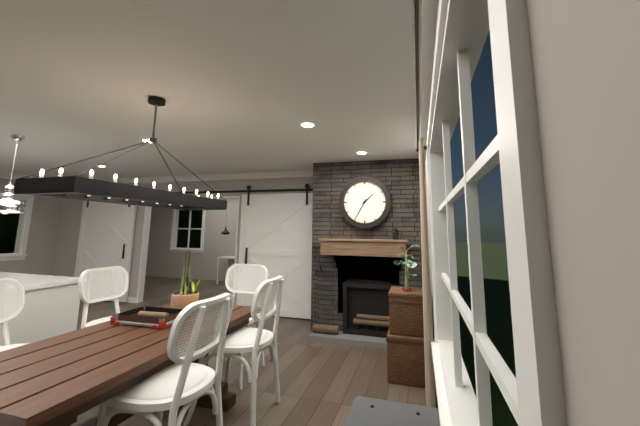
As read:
h=1 m=35
